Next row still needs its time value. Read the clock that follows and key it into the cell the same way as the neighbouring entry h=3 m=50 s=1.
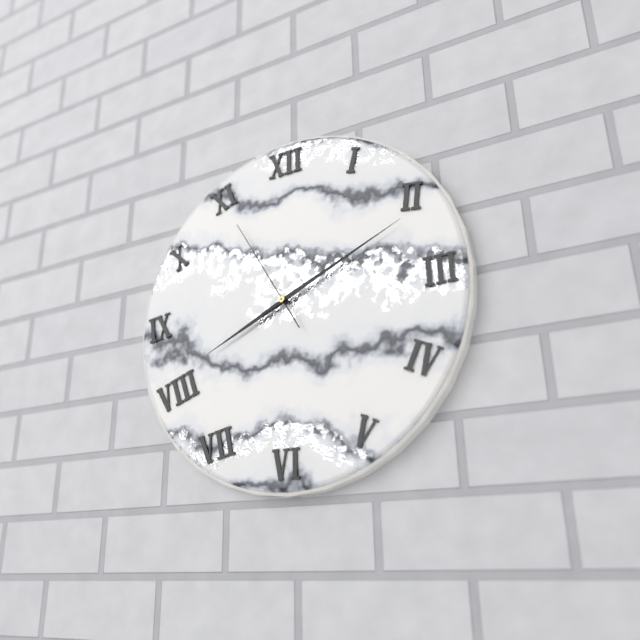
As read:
h=8 m=11 s=55
